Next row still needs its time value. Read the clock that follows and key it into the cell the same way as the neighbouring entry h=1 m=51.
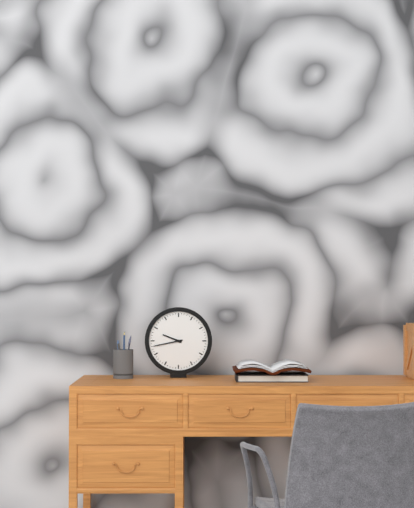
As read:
h=9 m=43
